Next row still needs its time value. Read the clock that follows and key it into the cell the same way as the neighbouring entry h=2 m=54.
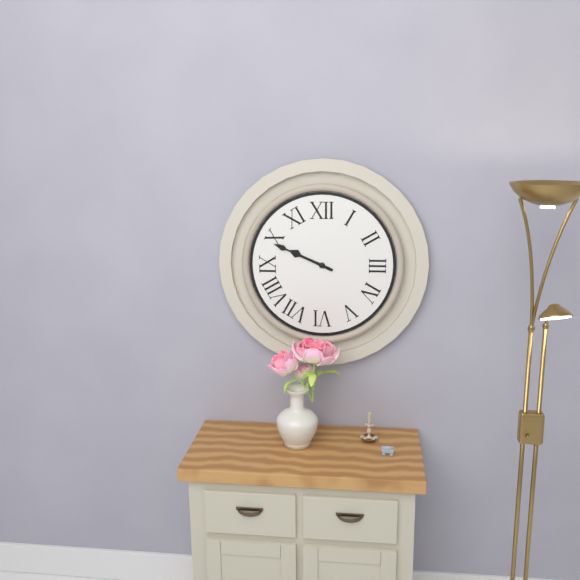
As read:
h=9 m=49
